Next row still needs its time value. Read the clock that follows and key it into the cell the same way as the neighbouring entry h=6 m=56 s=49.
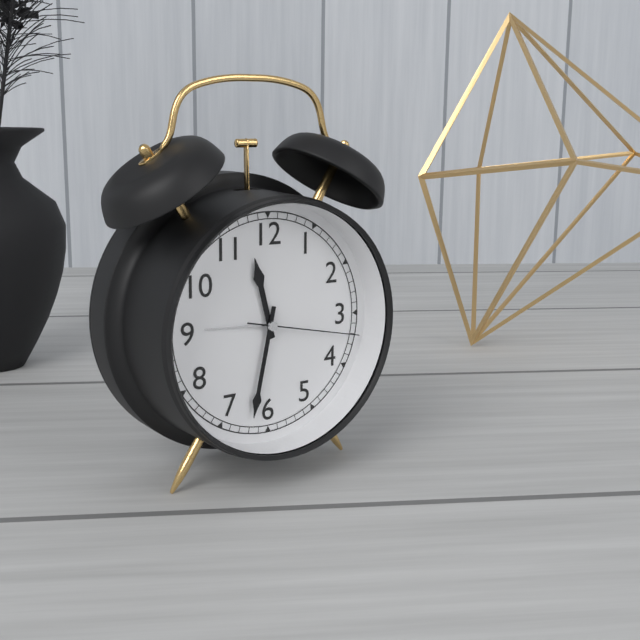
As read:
h=11 m=32 s=17
